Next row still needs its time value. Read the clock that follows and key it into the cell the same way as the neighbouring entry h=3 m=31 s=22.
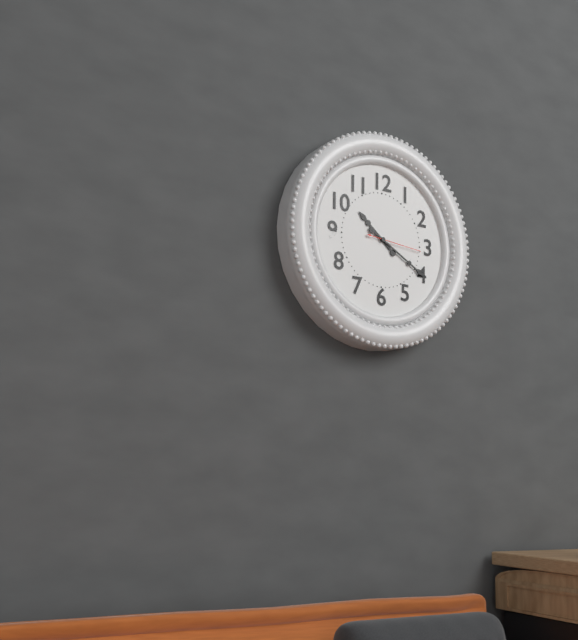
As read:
h=10 m=20 s=16
